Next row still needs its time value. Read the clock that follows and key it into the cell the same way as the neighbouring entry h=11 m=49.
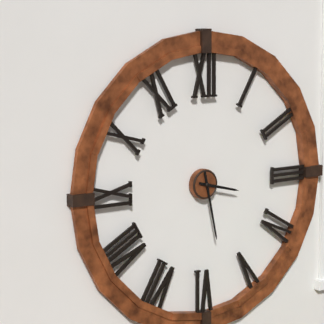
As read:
h=3 m=28
